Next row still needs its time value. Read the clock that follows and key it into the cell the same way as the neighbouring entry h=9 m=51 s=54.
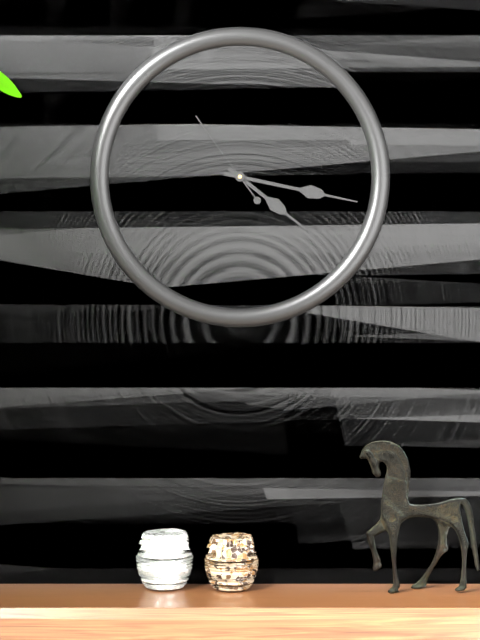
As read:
h=4 m=17 s=54
